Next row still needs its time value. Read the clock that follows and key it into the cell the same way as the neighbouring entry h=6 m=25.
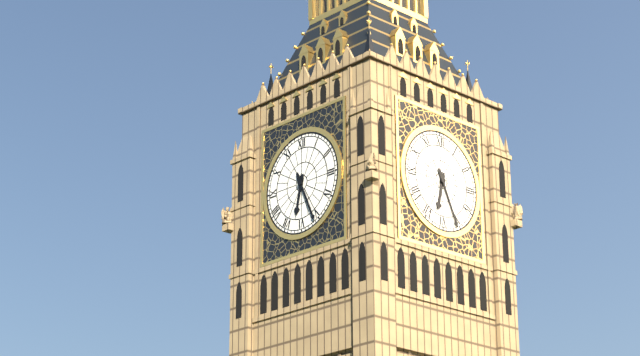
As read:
h=6 m=26
